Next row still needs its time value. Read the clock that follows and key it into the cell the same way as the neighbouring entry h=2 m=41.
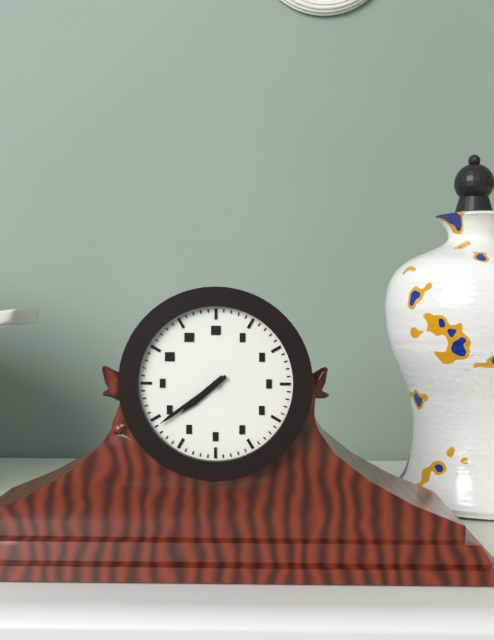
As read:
h=7 m=39
